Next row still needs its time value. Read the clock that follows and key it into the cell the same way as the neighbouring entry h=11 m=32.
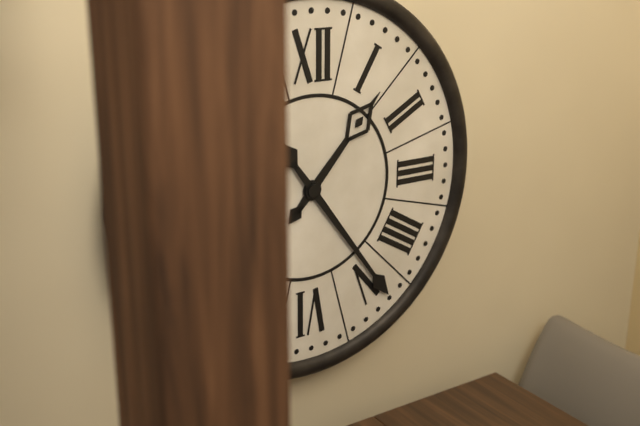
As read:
h=1 m=24
